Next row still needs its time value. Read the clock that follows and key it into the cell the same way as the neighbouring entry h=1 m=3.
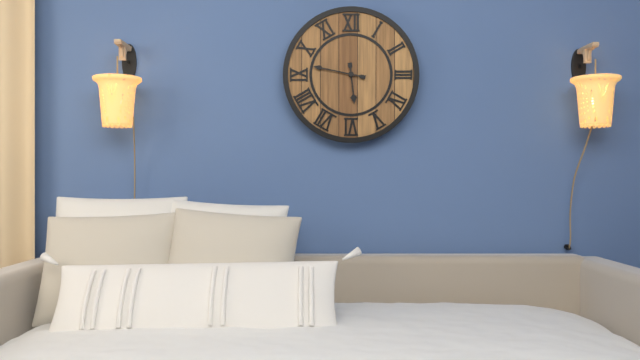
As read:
h=5 m=47
